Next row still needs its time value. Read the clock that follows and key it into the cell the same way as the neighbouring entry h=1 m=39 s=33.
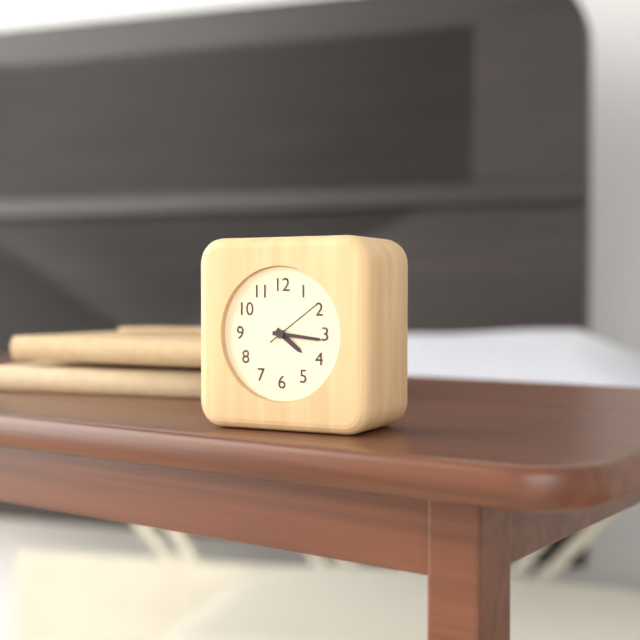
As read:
h=4 m=16 s=9
